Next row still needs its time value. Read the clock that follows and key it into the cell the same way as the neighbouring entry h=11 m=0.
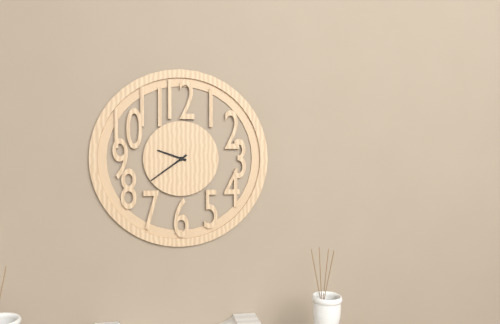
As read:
h=9 m=39
